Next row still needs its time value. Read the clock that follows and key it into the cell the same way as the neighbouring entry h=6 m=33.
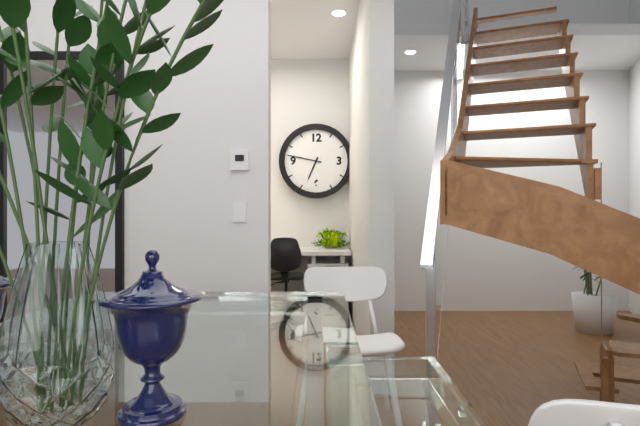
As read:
h=6 m=47
